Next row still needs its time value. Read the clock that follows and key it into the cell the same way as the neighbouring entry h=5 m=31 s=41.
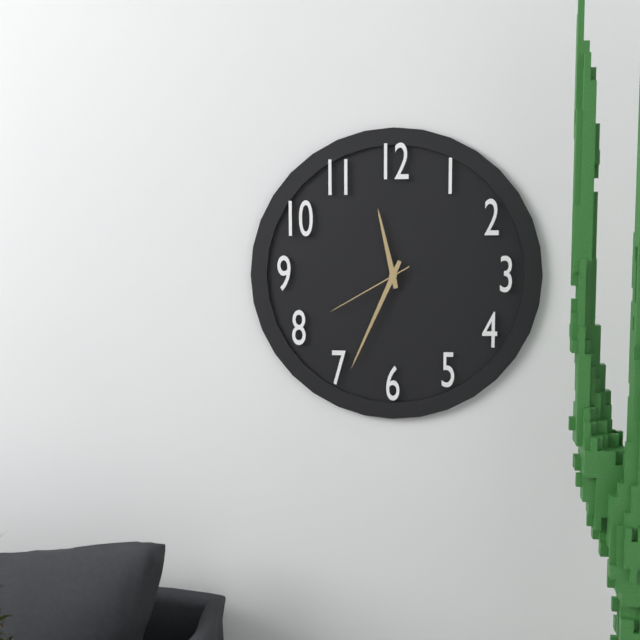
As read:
h=11 m=34 s=40
